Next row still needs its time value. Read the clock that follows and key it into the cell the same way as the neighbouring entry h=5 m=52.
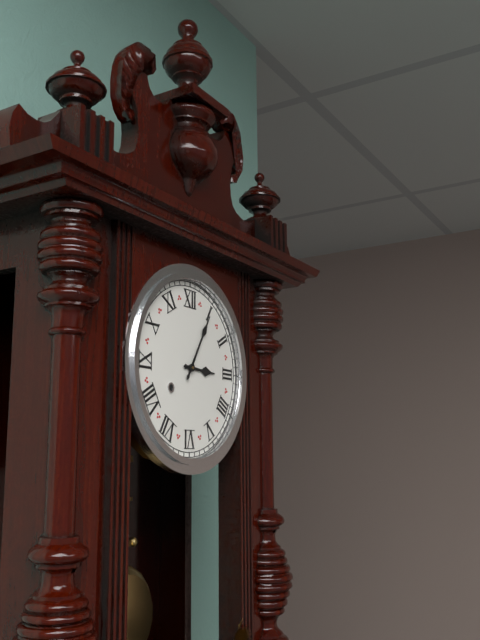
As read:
h=3 m=5
